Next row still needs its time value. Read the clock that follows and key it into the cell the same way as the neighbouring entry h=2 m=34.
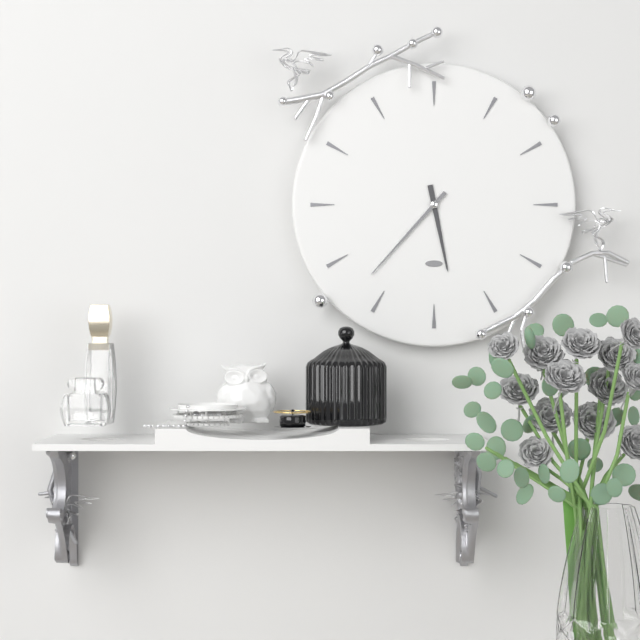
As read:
h=5 m=37
